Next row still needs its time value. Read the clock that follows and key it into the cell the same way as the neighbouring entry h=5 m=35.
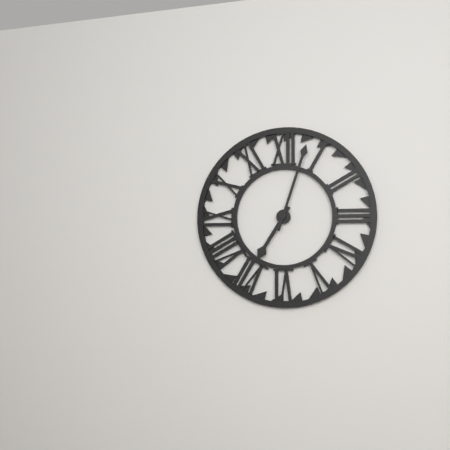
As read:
h=7 m=3
